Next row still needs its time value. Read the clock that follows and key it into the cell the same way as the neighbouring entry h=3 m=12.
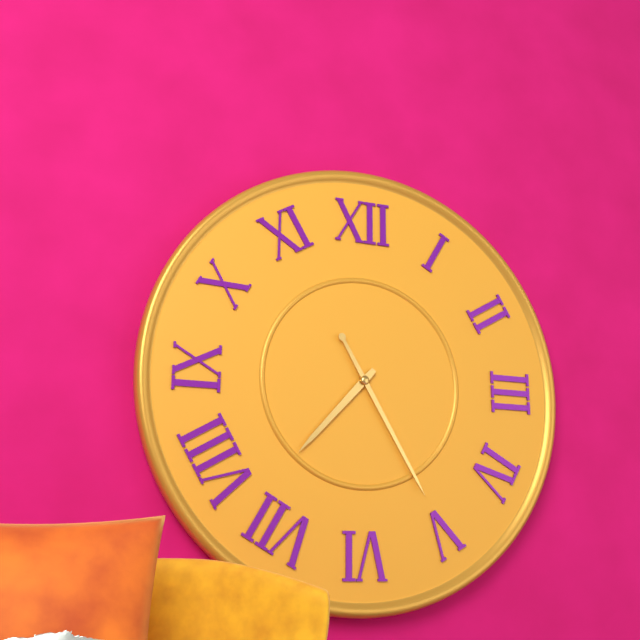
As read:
h=7 m=25
